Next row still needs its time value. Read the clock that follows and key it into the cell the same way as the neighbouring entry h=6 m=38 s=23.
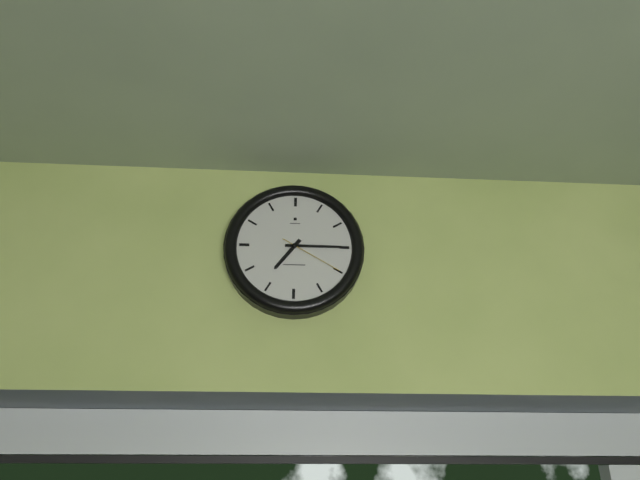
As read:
h=7 m=15 s=20
